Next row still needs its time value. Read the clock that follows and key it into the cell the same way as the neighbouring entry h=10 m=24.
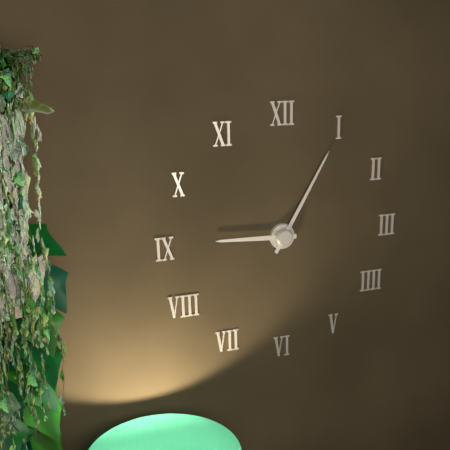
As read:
h=9 m=5
